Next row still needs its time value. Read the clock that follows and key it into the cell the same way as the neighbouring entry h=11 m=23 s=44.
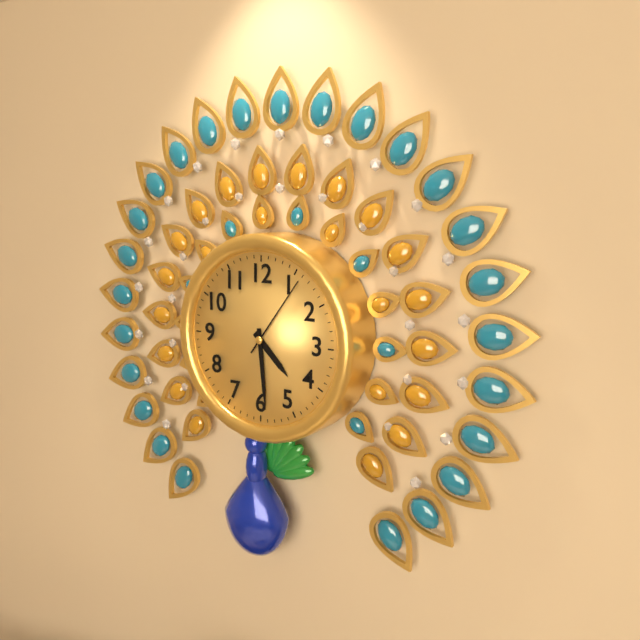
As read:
h=4 m=29 s=6
